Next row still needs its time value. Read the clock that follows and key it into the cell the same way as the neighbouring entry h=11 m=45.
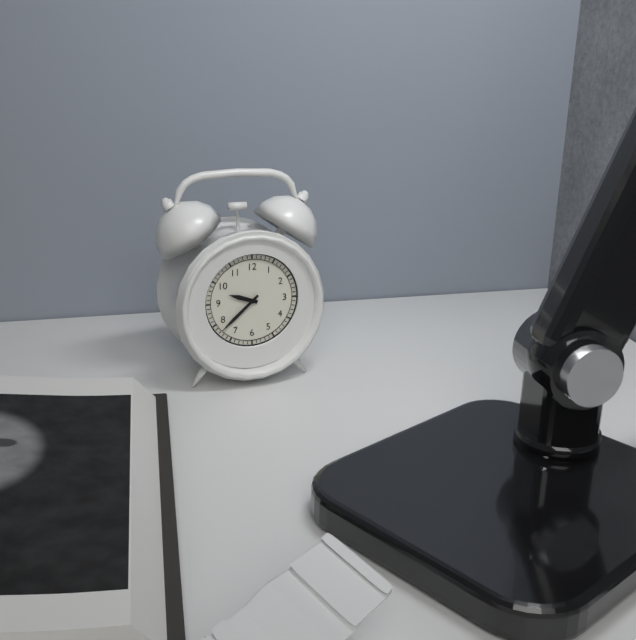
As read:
h=9 m=38
